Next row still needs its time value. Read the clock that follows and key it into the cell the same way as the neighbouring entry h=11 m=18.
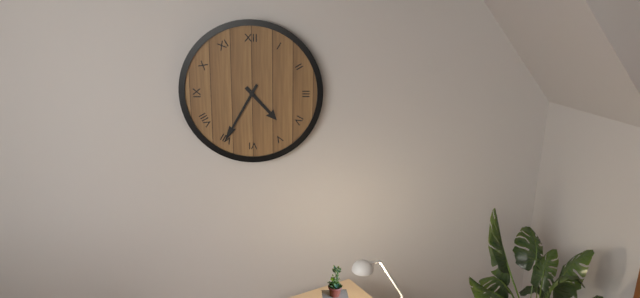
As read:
h=4 m=35
